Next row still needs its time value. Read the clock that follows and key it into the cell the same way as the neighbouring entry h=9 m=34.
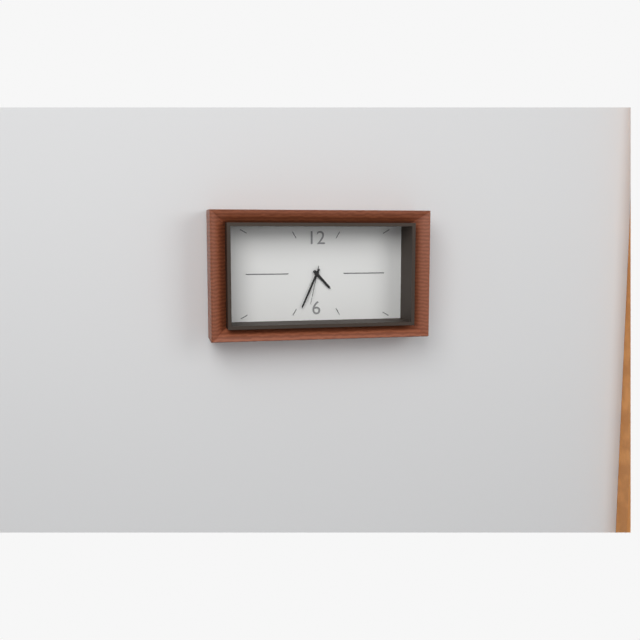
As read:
h=4 m=34
